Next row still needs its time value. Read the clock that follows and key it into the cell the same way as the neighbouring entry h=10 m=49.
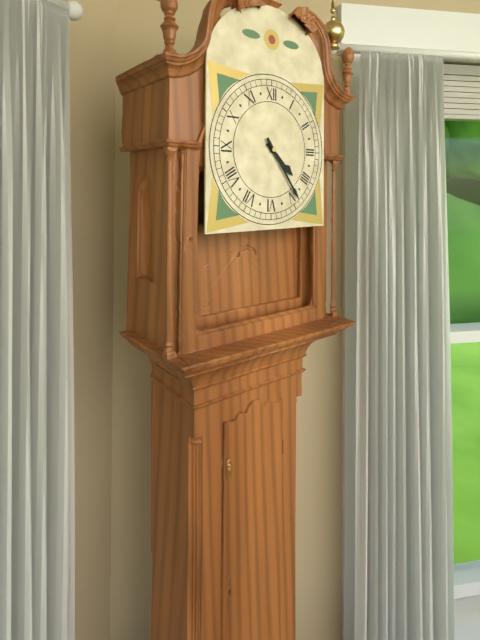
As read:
h=4 m=24
